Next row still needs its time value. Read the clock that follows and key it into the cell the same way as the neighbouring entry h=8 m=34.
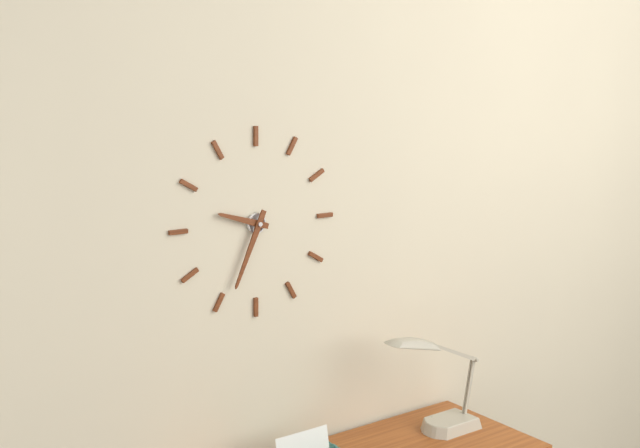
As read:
h=9 m=34
